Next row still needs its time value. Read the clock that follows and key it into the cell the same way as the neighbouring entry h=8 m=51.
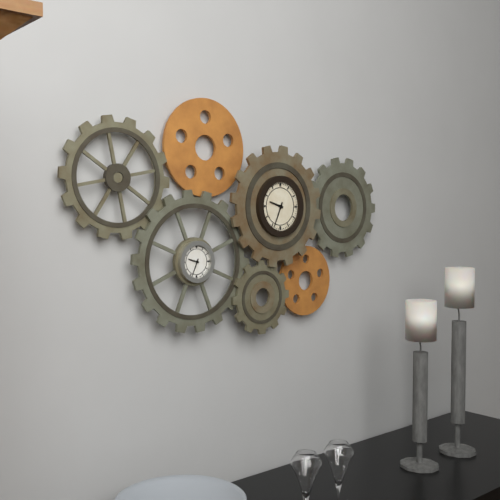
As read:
h=9 m=34
